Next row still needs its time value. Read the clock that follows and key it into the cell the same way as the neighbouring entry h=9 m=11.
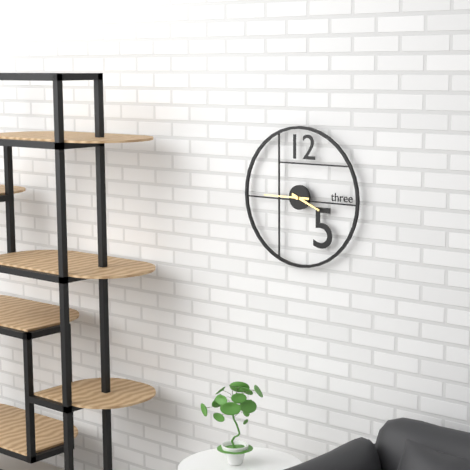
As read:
h=3 m=45
